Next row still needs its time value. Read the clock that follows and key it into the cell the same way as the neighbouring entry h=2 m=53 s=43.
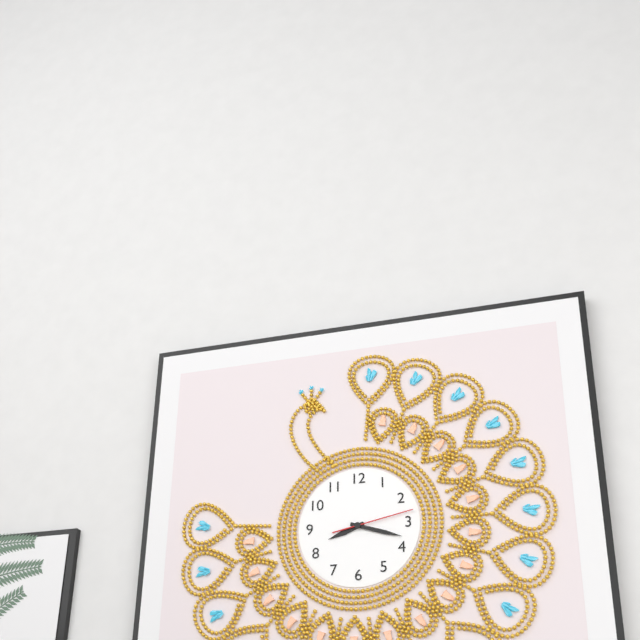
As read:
h=8 m=18 s=13
